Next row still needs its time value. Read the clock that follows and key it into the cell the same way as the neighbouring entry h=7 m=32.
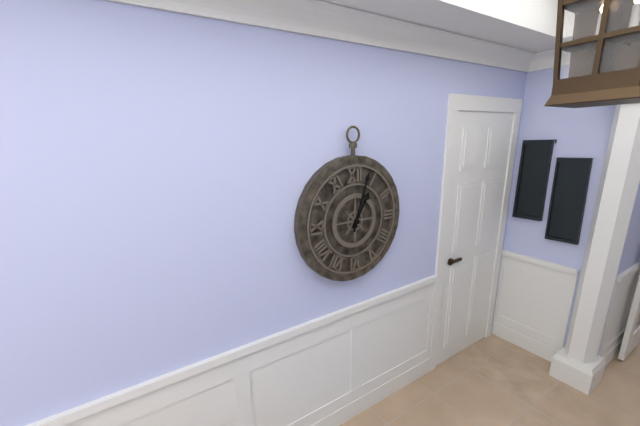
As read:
h=1 m=3
